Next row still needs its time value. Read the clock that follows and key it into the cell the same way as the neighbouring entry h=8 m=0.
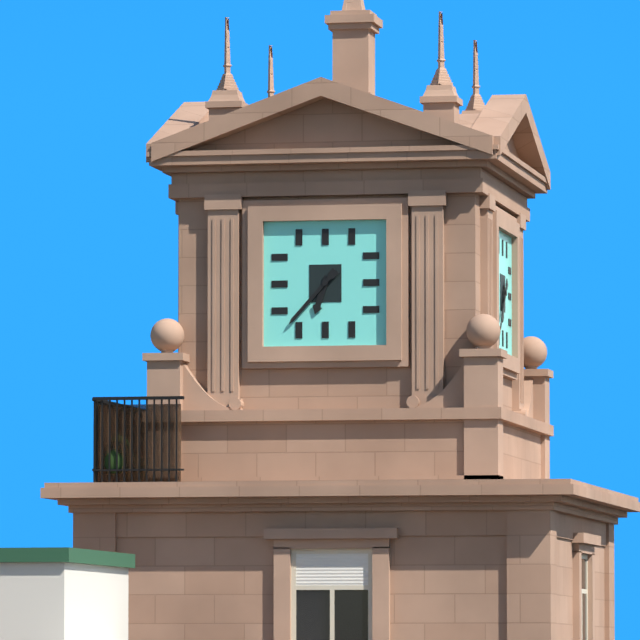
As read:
h=6 m=37
